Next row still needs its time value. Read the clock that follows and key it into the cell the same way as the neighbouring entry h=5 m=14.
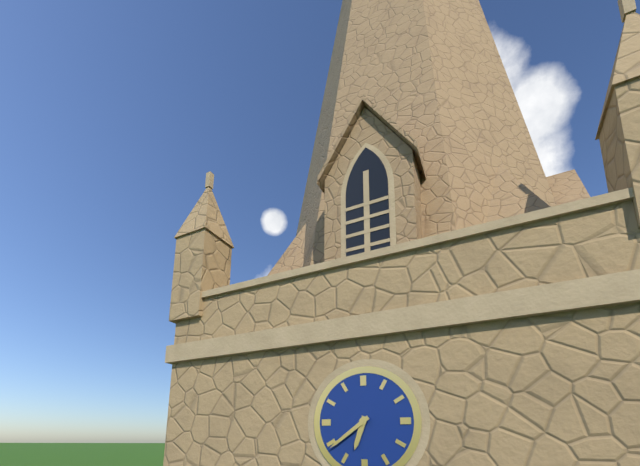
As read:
h=6 m=39
